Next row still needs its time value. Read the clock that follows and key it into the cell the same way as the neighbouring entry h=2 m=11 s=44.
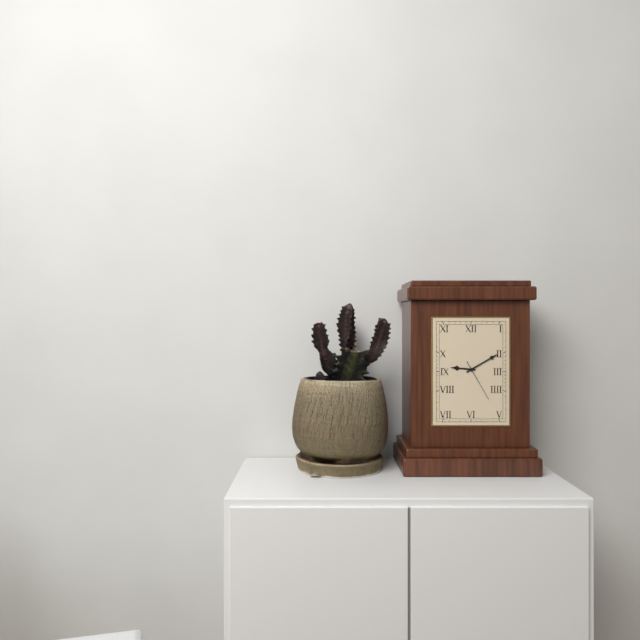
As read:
h=9 m=10 s=25
